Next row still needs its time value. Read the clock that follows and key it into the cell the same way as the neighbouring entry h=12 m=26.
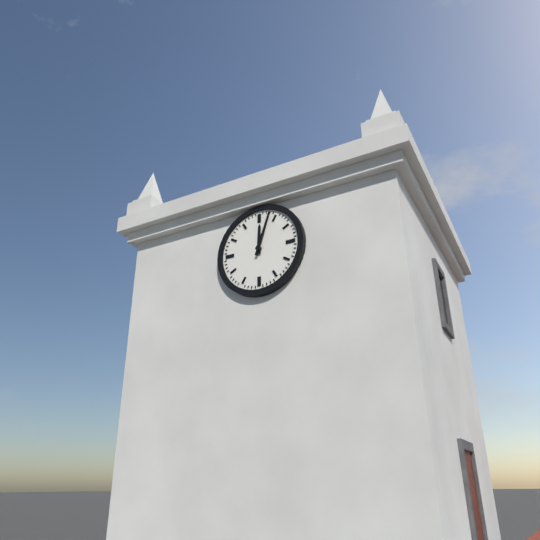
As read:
h=12 m=3
